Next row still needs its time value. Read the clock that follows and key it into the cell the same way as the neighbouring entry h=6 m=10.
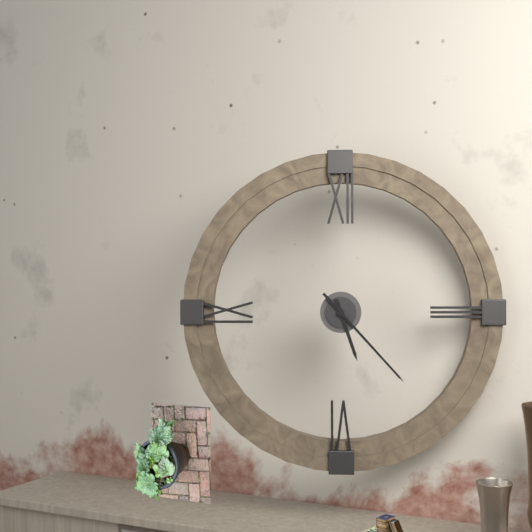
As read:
h=5 m=23
